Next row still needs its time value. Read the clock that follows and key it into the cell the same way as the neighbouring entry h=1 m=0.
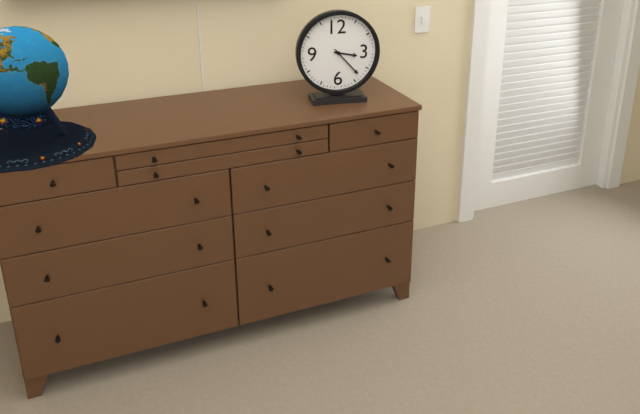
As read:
h=3 m=23
